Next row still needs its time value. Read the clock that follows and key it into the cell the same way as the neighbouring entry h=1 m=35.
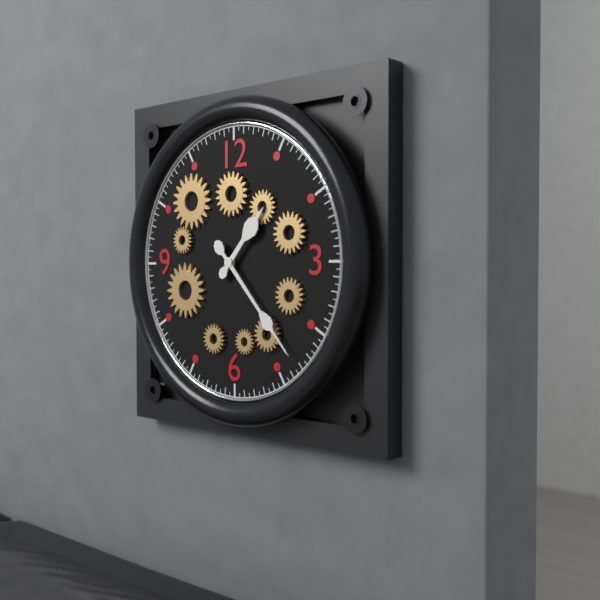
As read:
h=1 m=23
